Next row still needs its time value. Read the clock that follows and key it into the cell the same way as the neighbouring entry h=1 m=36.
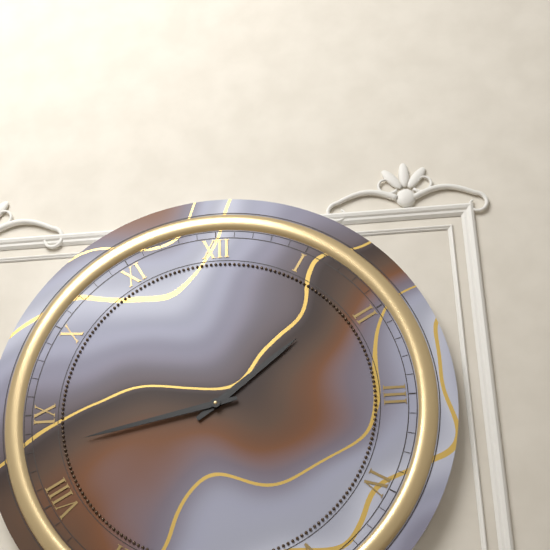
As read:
h=1 m=43
